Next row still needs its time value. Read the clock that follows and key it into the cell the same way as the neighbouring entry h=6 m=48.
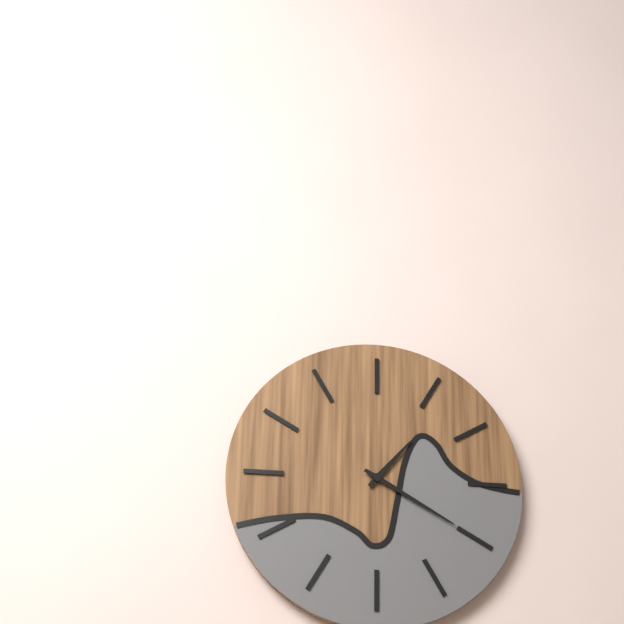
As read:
h=1 m=20
